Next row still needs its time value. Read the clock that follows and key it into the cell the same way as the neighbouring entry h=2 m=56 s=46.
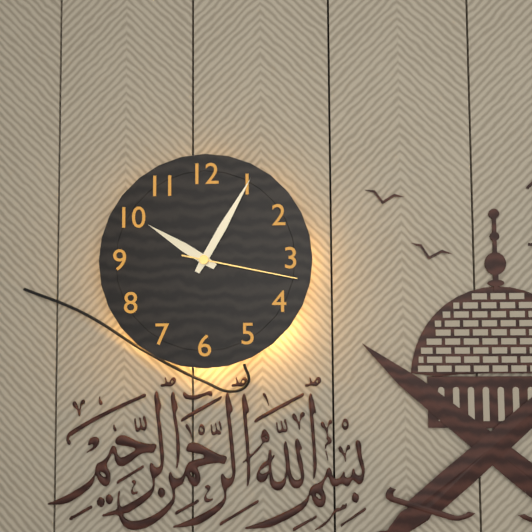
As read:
h=10 m=5 s=17
